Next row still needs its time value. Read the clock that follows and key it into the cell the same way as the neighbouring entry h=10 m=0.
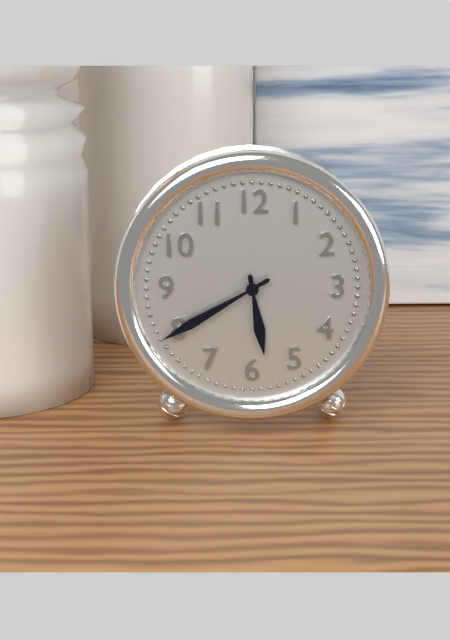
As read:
h=5 m=40
